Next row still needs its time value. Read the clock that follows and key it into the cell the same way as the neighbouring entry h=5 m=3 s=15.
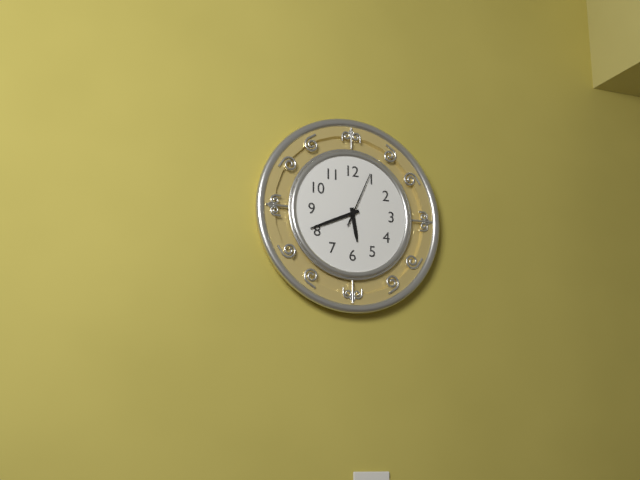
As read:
h=5 m=41 s=4
